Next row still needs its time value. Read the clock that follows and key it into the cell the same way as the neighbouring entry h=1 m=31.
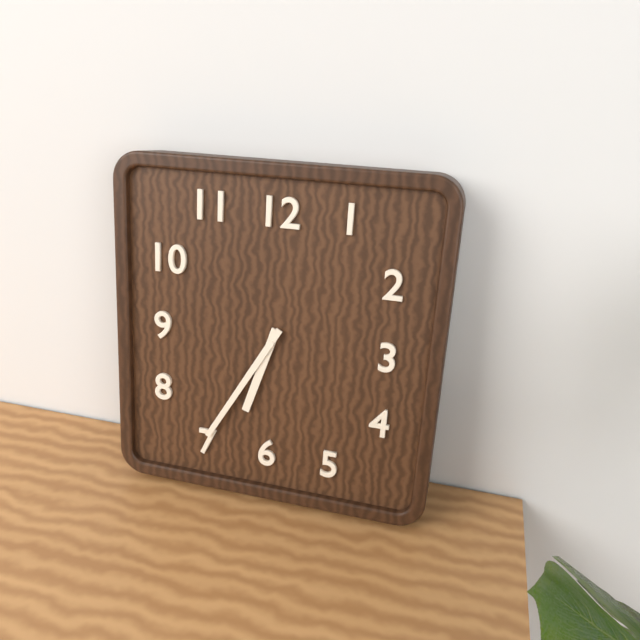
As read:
h=6 m=35
